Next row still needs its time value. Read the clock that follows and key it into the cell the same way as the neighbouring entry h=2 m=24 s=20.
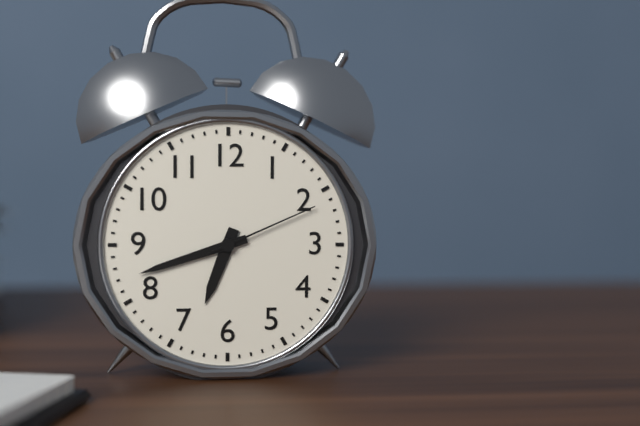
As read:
h=6 m=42 s=11
